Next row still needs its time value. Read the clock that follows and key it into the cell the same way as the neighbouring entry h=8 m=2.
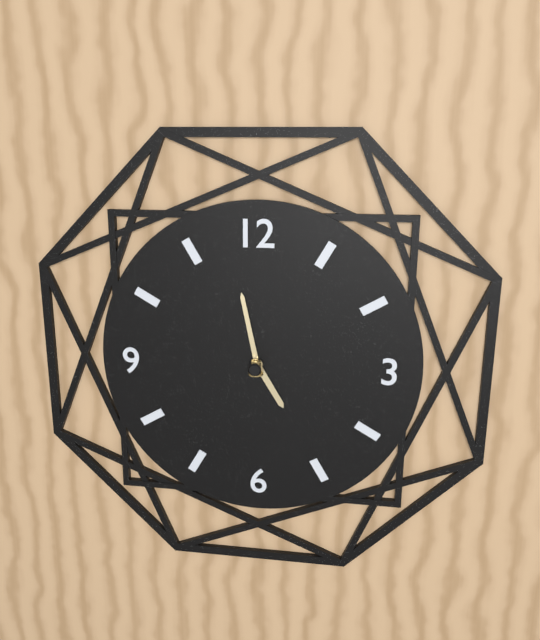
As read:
h=4 m=58
